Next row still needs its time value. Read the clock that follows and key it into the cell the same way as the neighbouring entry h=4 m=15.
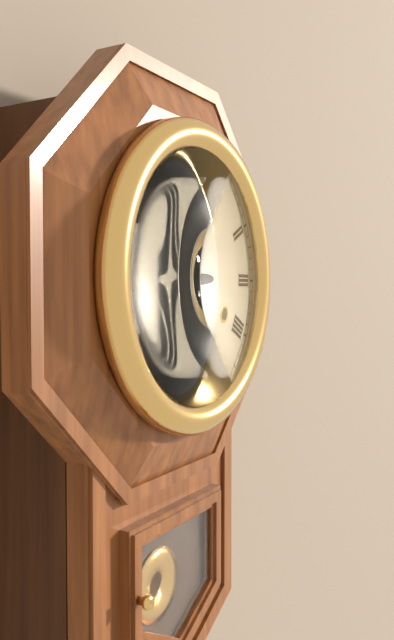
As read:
h=7 m=45
